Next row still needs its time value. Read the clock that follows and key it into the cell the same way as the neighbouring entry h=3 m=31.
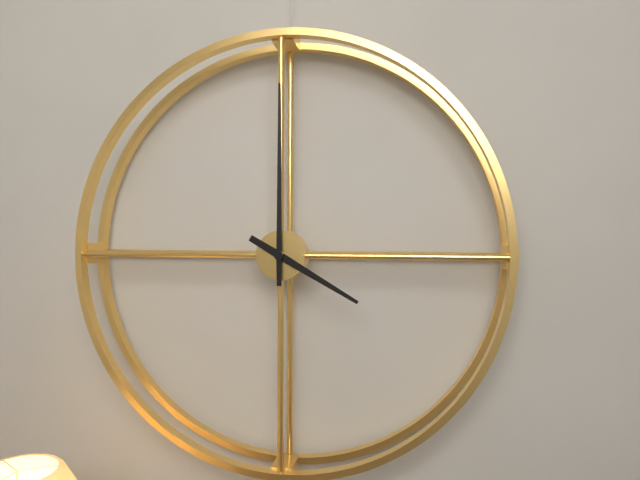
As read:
h=4 m=0
